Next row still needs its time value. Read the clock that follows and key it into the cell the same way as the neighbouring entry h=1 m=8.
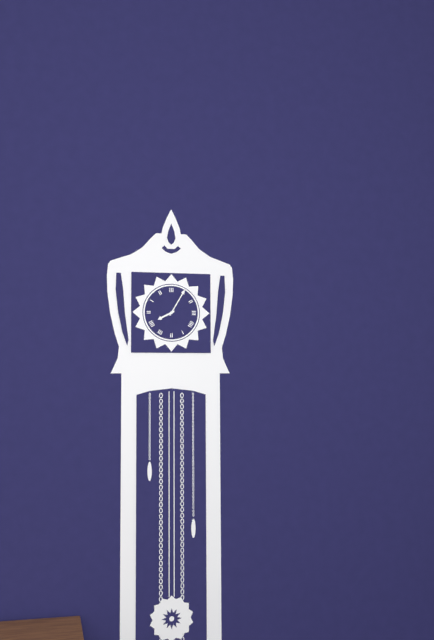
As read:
h=8 m=5
